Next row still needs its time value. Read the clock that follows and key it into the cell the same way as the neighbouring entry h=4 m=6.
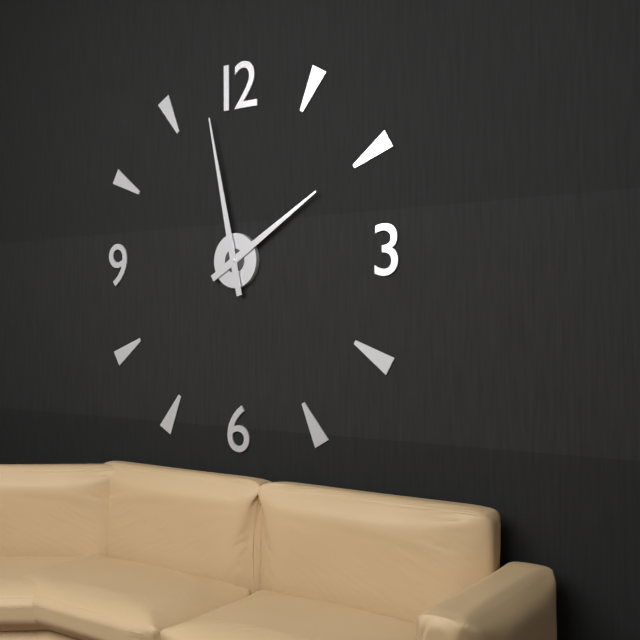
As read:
h=1 m=58
